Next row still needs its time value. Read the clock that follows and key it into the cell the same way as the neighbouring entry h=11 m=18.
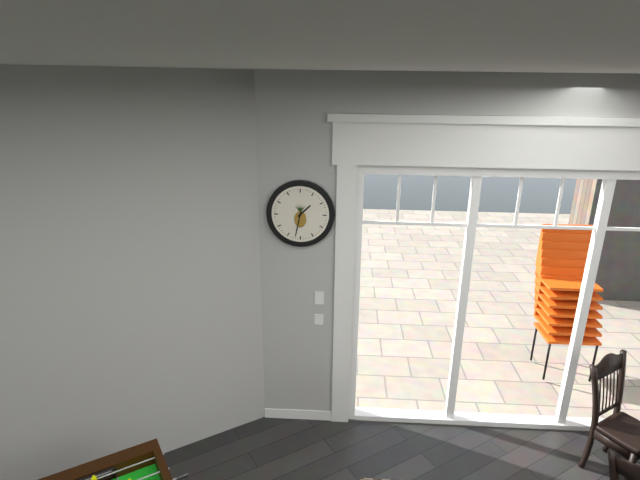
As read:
h=1 m=32
